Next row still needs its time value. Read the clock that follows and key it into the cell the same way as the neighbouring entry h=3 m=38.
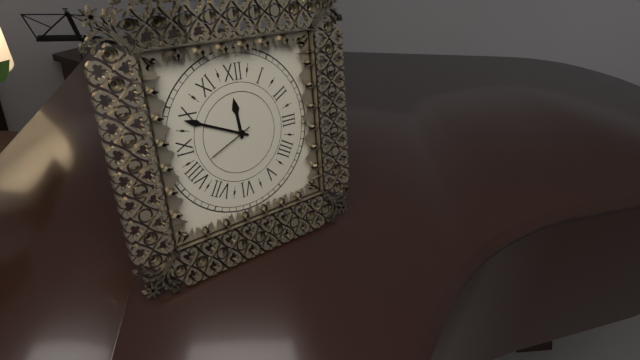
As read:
h=11 m=49
